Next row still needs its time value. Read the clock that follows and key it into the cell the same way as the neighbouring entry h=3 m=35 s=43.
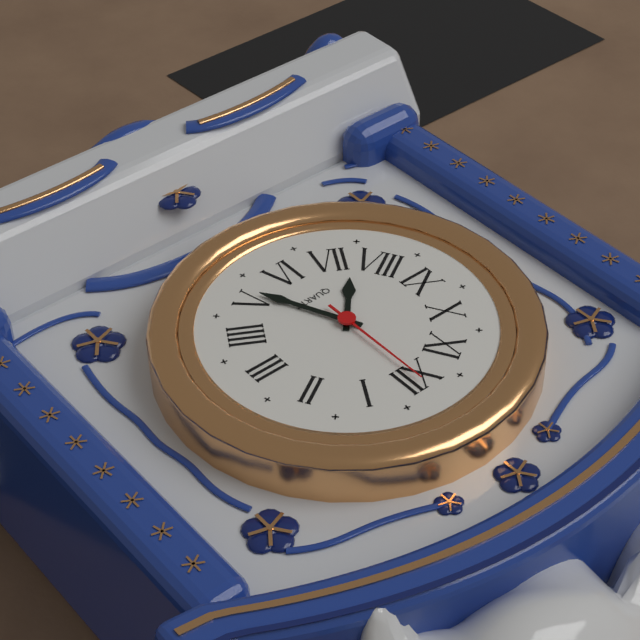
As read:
h=7 m=26 s=0
